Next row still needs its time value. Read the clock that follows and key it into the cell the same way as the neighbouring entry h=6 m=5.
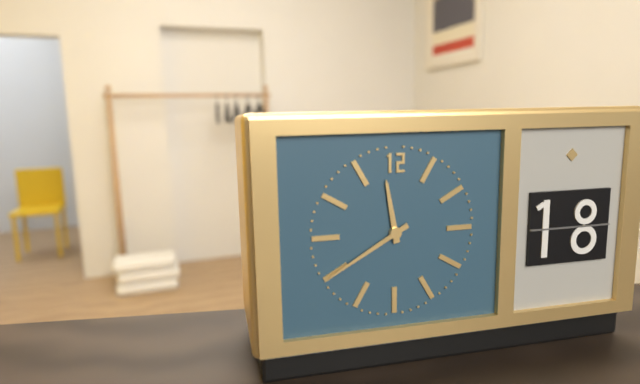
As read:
h=11 m=40
